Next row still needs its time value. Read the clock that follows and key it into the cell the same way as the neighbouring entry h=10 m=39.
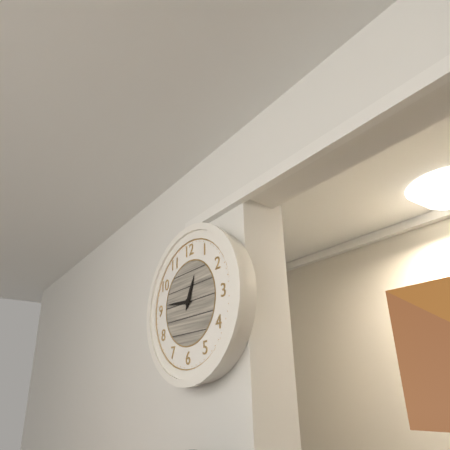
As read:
h=12 m=46
